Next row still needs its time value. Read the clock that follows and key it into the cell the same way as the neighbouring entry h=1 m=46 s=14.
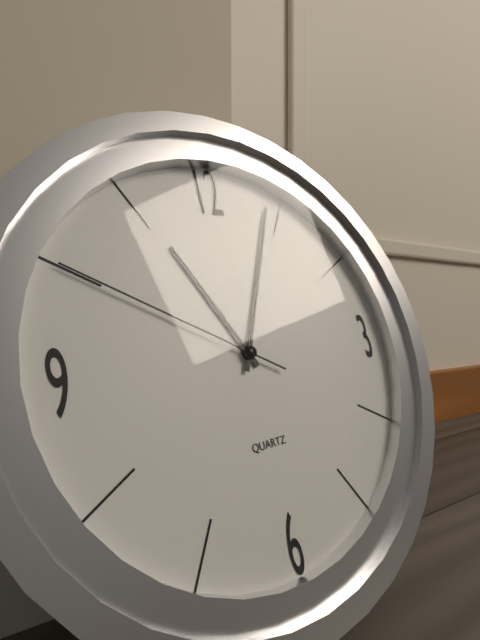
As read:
h=11 m=4 s=50
